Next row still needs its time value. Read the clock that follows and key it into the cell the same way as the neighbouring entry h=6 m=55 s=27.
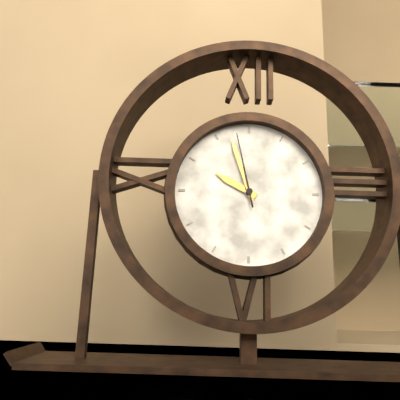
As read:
h=9 m=57 s=58
